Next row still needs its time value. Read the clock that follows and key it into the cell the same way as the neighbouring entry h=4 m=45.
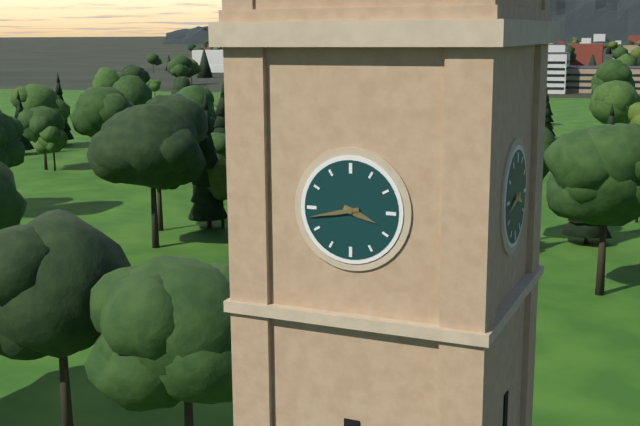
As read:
h=3 m=43
